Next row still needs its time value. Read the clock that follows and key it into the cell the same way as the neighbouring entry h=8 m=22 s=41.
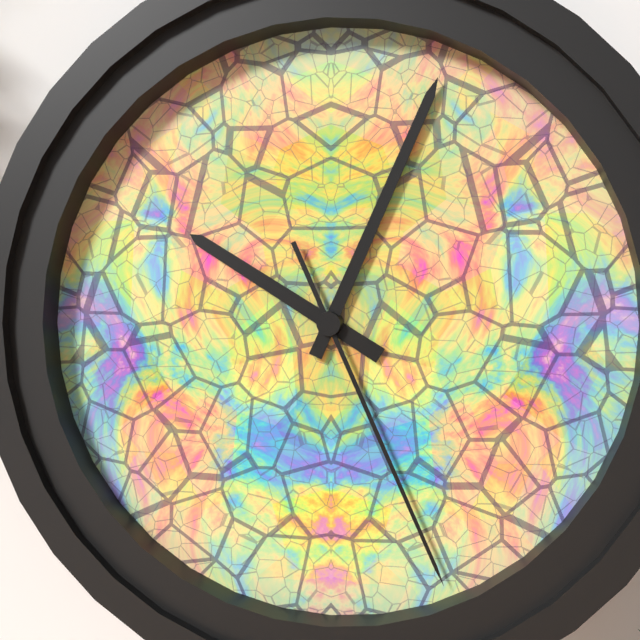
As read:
h=10 m=4 s=26
